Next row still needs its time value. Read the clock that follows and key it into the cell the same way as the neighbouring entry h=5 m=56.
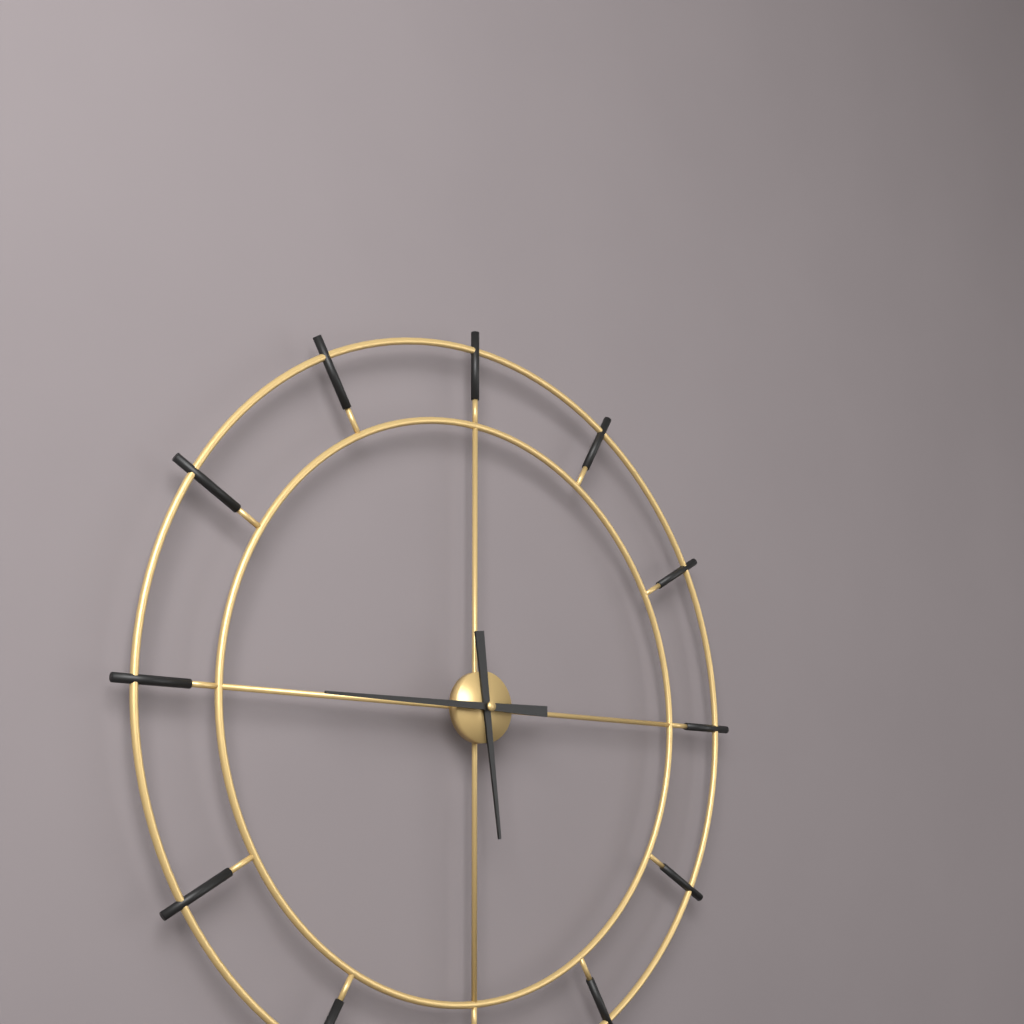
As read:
h=5 m=45
